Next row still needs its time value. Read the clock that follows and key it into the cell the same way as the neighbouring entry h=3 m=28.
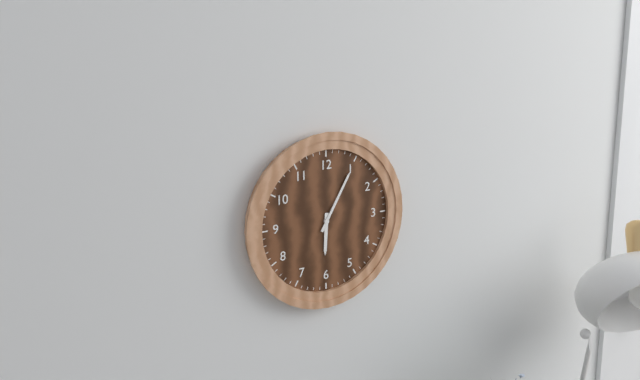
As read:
h=6 m=5
